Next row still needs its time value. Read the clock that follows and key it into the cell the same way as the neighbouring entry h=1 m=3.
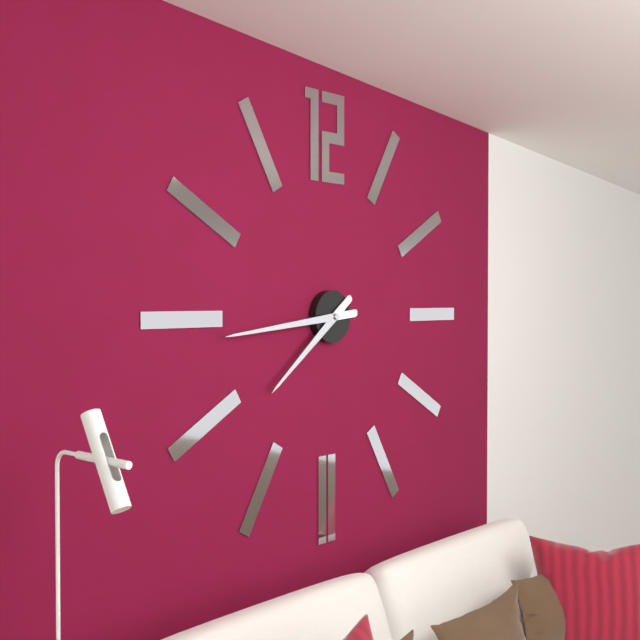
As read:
h=7 m=44
